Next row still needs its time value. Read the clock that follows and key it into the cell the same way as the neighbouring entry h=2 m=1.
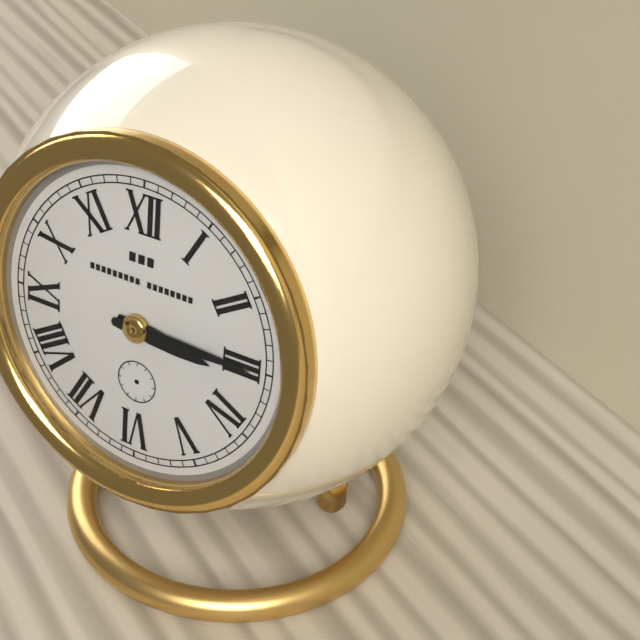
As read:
h=3 m=15
